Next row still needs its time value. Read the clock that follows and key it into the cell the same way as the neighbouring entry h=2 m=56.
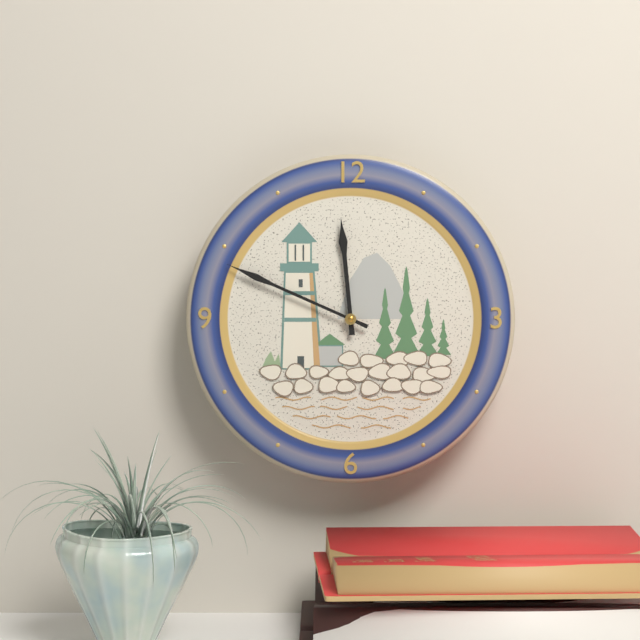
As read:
h=11 m=49
